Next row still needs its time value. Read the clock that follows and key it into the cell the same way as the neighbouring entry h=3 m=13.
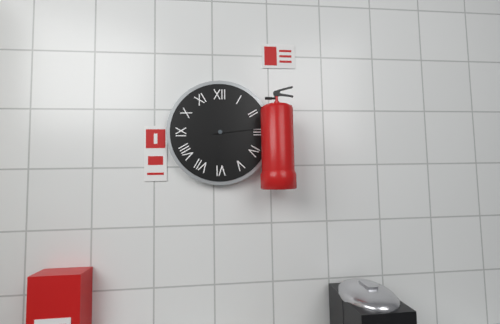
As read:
h=6 m=14
